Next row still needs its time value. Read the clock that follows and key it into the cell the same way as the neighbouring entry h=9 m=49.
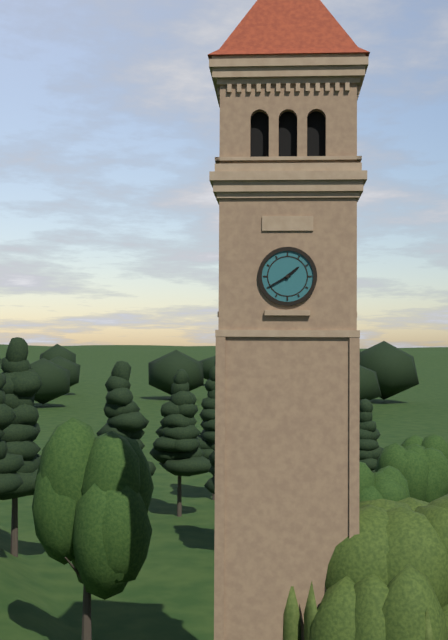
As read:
h=1 m=40
